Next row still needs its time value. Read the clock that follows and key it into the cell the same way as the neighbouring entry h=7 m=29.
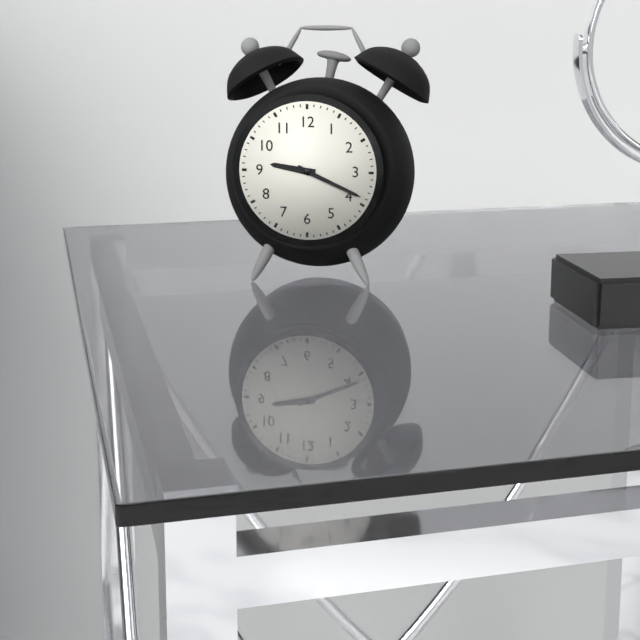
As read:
h=9 m=19
